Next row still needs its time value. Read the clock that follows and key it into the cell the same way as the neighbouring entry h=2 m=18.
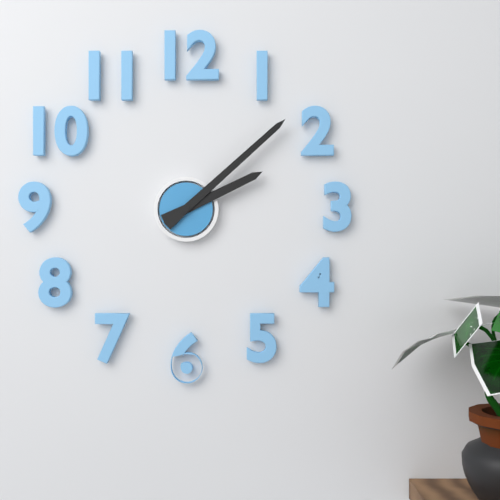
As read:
h=2 m=8
